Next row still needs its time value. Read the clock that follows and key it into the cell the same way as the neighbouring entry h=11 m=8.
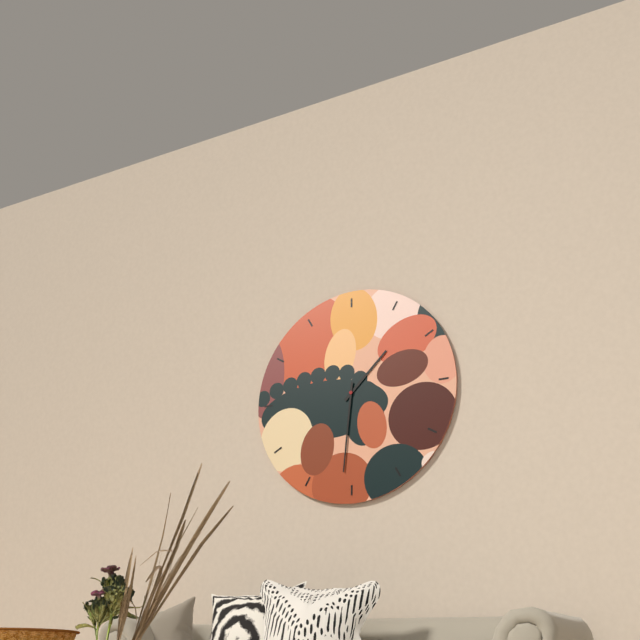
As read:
h=1 m=31
